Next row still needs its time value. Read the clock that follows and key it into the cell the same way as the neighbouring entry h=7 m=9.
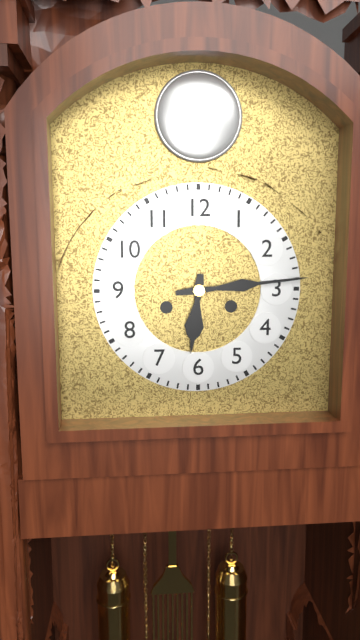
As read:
h=6 m=14
